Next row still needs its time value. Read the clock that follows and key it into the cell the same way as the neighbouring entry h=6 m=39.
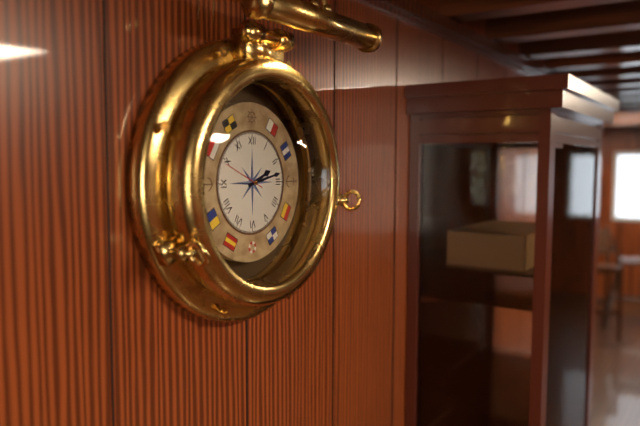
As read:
h=2 m=13
